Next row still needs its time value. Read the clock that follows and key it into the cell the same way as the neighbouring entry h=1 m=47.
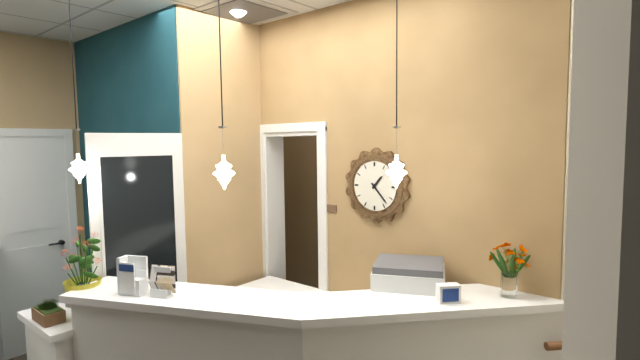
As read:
h=1 m=23
